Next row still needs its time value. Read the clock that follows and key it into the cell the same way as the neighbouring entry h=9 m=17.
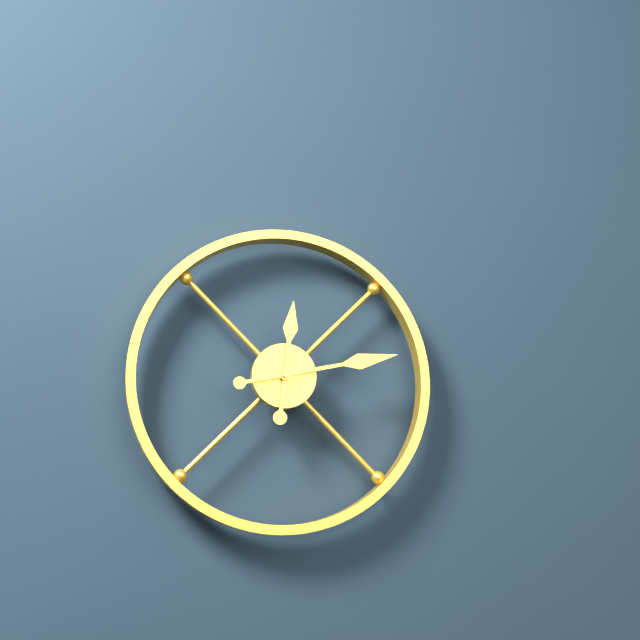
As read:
h=12 m=13
